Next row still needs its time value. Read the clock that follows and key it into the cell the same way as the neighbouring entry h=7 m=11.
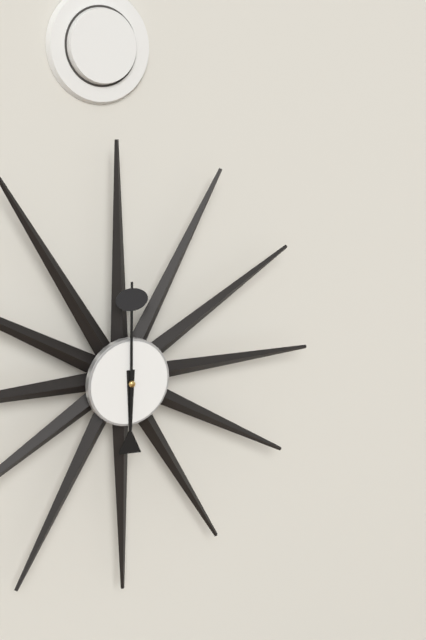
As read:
h=6 m=0
